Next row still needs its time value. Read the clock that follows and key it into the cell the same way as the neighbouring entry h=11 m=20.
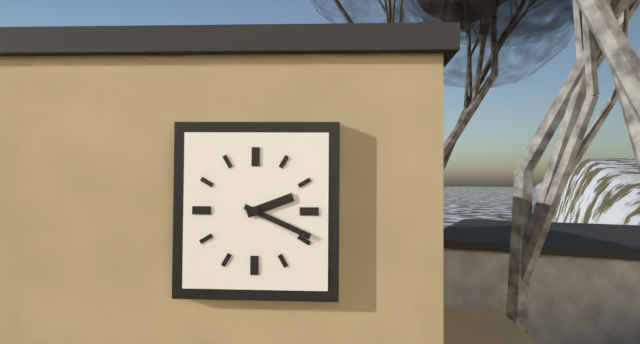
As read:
h=2 m=19
